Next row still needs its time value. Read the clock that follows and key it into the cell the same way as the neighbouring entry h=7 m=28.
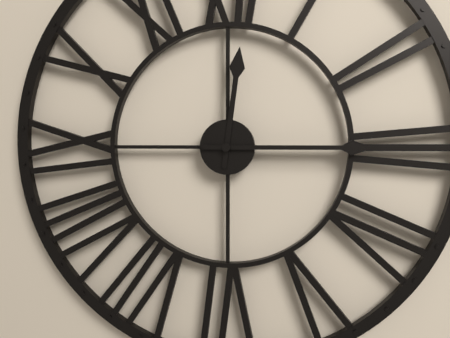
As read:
h=12 m=15
